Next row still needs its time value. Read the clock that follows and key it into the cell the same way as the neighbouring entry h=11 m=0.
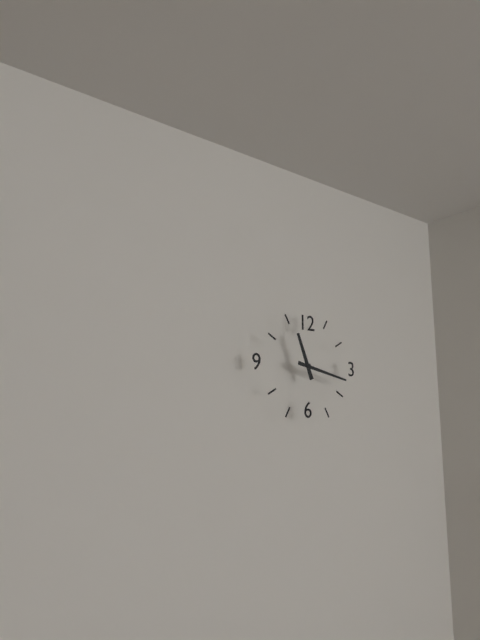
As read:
h=11 m=17
